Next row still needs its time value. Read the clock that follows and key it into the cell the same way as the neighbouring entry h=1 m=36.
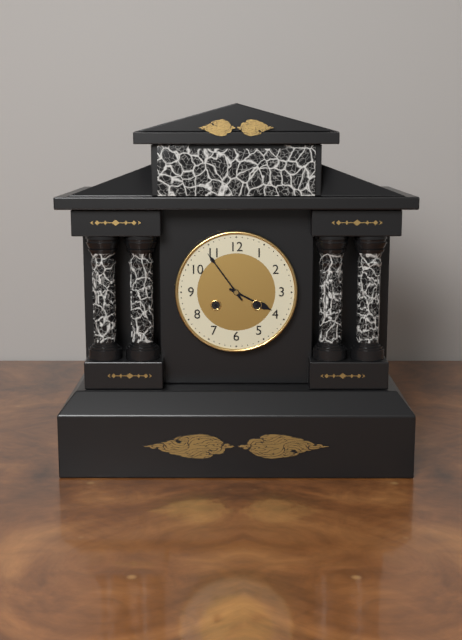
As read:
h=3 m=54
